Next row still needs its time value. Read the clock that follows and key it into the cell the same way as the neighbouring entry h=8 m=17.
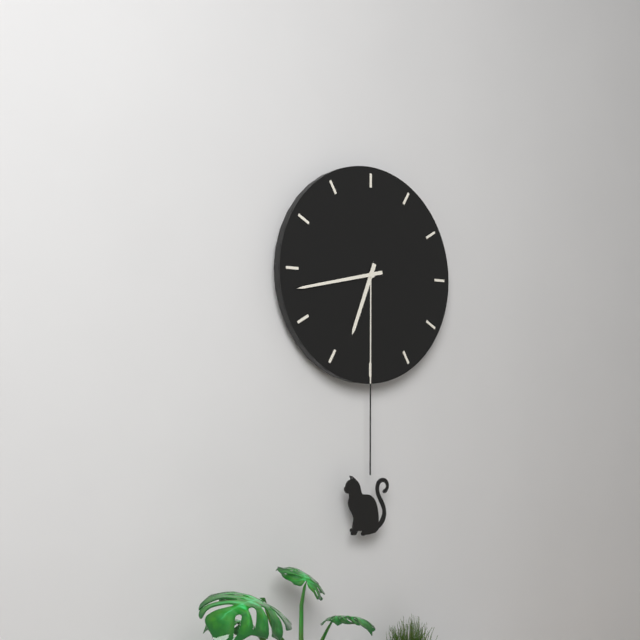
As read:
h=6 m=43
